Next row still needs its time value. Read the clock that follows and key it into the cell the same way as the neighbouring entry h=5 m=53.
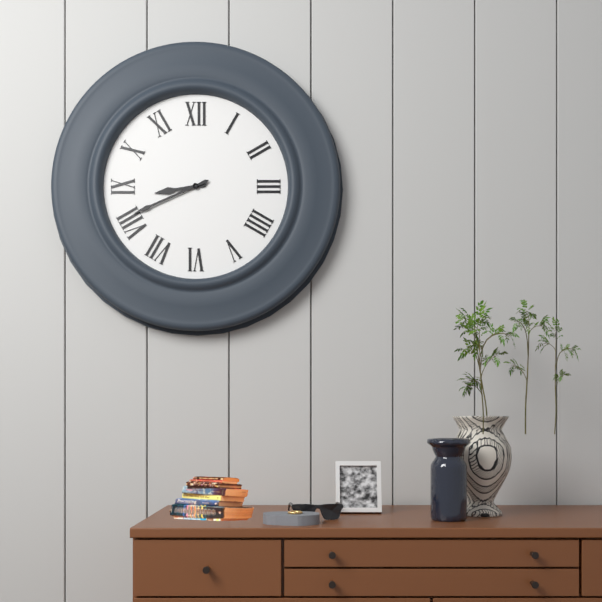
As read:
h=8 m=41
